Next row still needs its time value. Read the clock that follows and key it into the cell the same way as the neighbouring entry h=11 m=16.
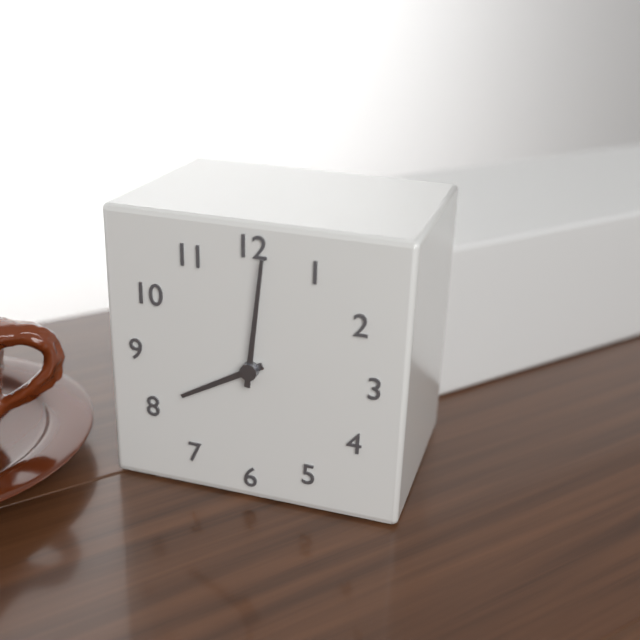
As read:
h=8 m=1
